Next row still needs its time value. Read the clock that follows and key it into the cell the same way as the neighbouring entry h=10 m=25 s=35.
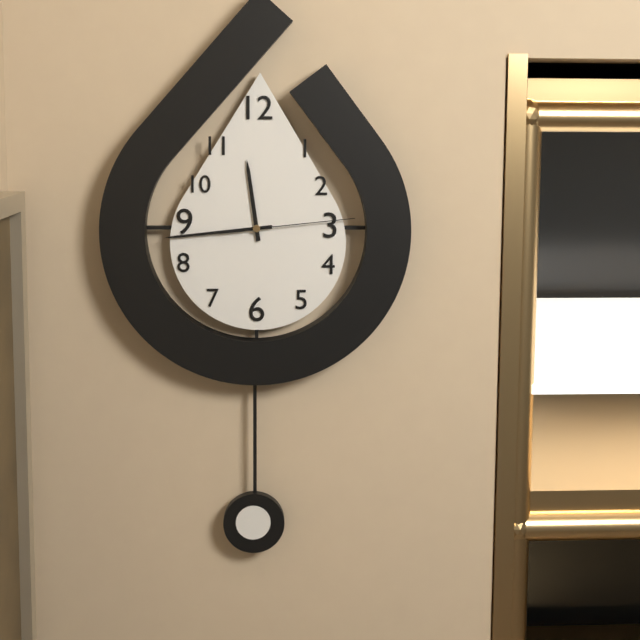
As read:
h=11 m=44 s=14
